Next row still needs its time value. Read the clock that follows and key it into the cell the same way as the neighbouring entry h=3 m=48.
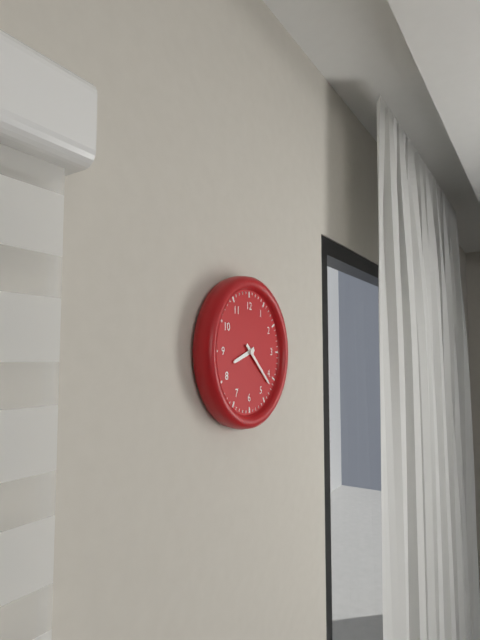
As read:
h=8 m=22
